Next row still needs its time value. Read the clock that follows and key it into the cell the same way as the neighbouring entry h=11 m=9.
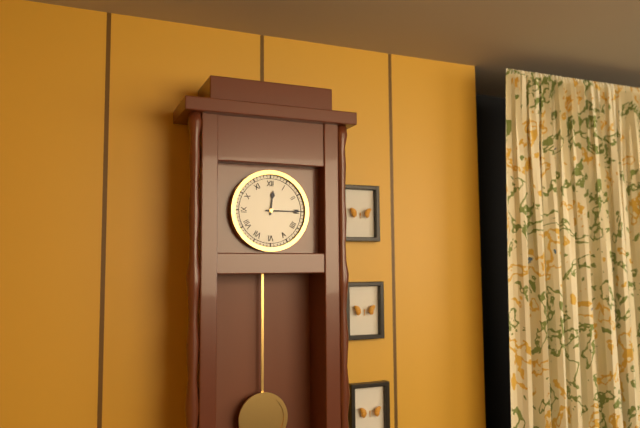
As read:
h=12 m=15
